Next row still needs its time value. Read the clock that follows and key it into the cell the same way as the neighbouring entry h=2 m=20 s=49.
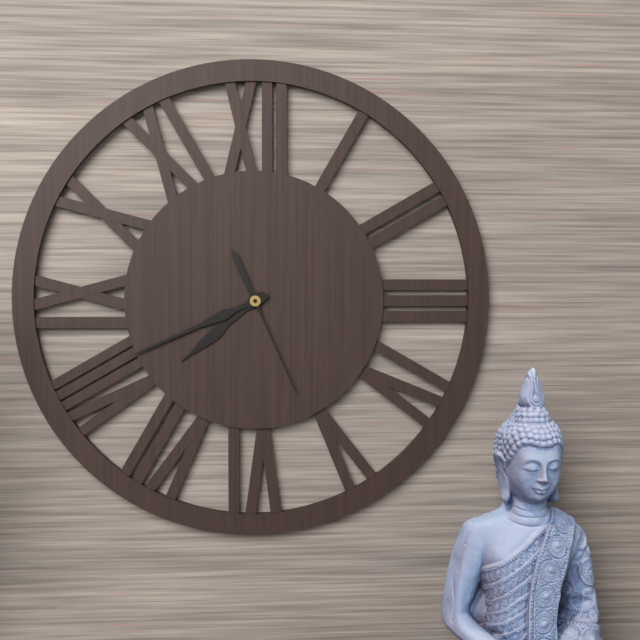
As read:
h=7 m=41 s=26
